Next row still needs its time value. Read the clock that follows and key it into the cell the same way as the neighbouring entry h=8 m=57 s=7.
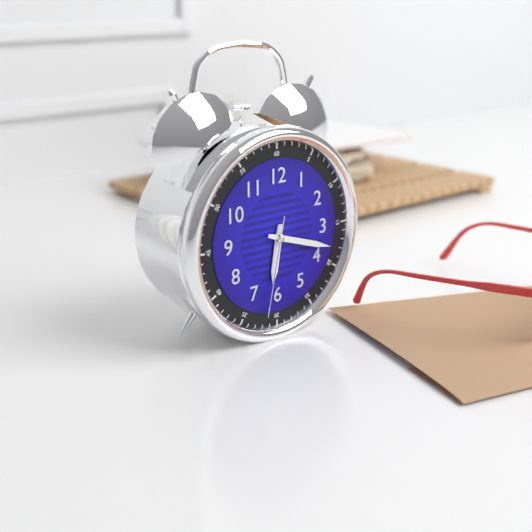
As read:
h=6 m=18 s=32
